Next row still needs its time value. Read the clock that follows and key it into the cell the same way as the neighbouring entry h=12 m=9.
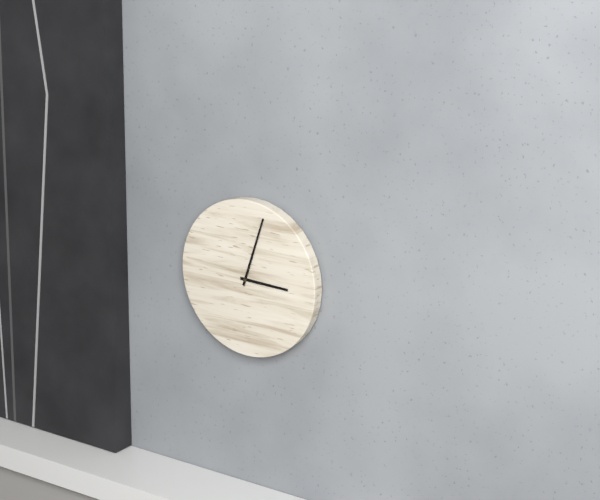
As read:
h=3 m=3
